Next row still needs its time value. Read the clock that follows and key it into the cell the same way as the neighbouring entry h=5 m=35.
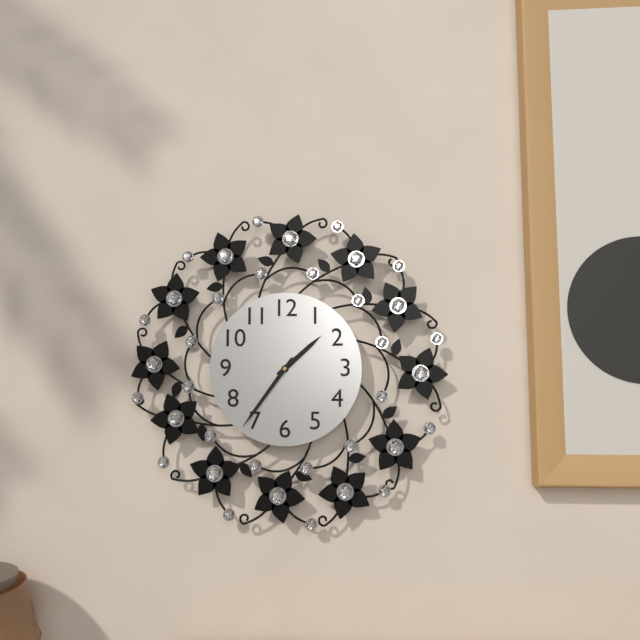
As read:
h=1 m=36
